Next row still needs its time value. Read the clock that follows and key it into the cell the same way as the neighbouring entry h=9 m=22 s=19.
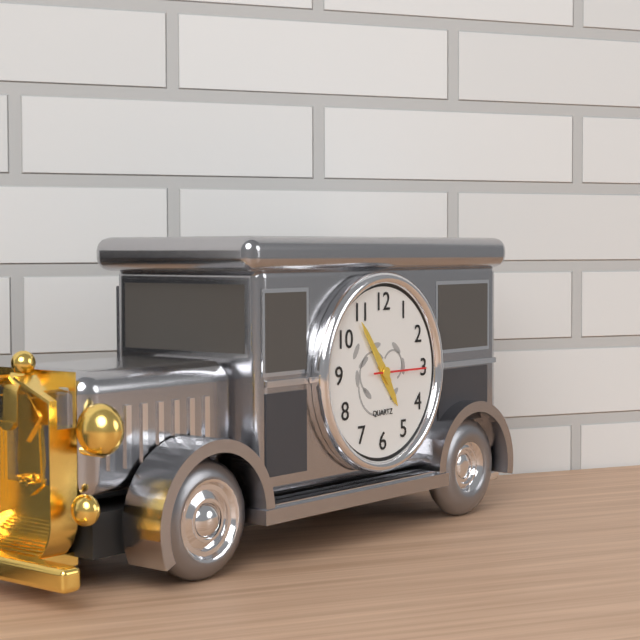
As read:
h=4 m=54 s=15
